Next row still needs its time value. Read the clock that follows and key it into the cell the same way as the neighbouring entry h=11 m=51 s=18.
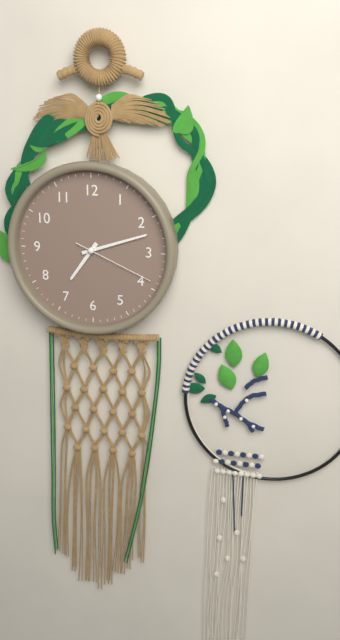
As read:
h=7 m=12 s=19
